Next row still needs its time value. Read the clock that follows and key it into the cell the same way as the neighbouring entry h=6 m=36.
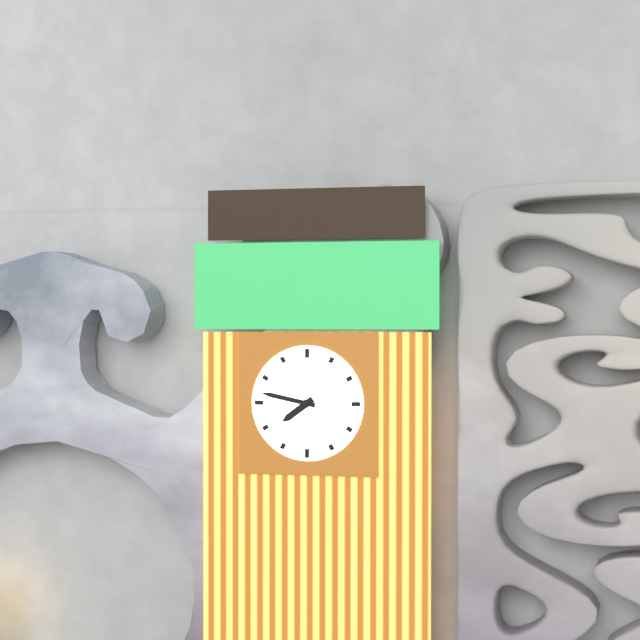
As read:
h=7 m=47
